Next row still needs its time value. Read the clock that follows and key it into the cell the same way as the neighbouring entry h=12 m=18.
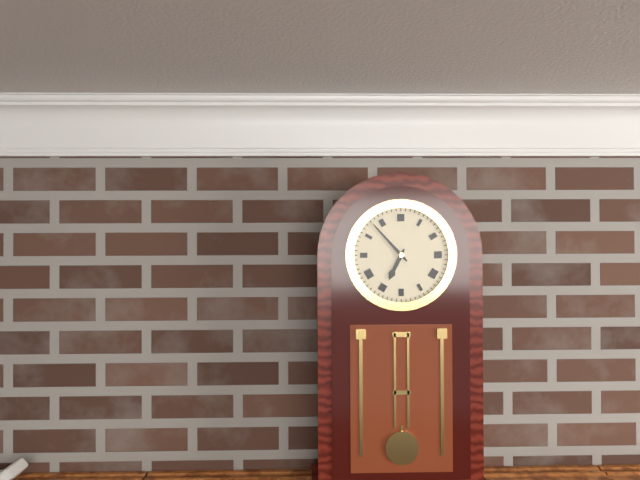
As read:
h=6 m=53
